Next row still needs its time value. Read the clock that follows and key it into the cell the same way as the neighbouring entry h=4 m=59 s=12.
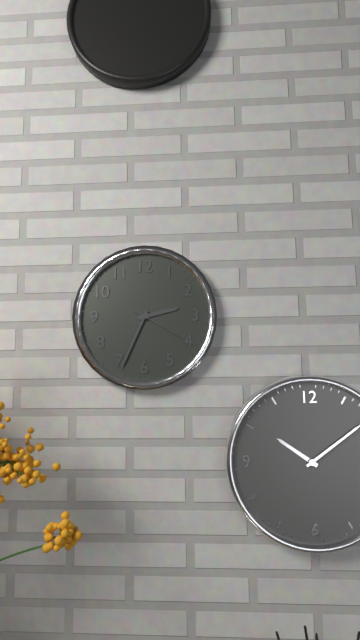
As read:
h=2 m=34 s=20
